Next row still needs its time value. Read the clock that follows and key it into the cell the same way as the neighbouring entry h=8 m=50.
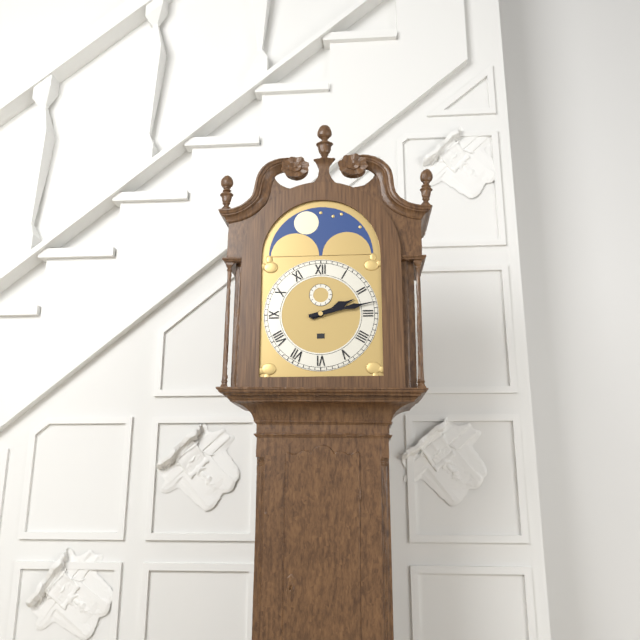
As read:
h=2 m=13
